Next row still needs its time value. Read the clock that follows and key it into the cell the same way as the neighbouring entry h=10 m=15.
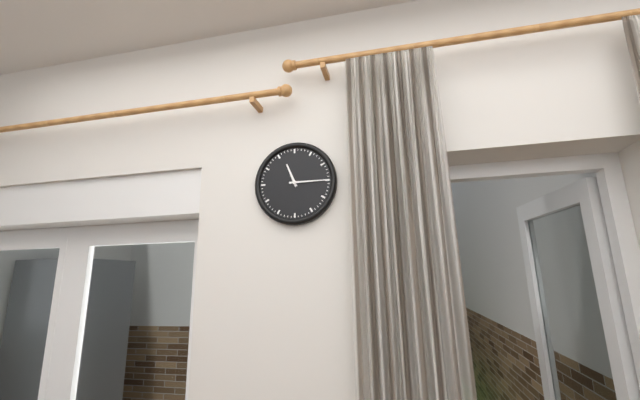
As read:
h=11 m=15
